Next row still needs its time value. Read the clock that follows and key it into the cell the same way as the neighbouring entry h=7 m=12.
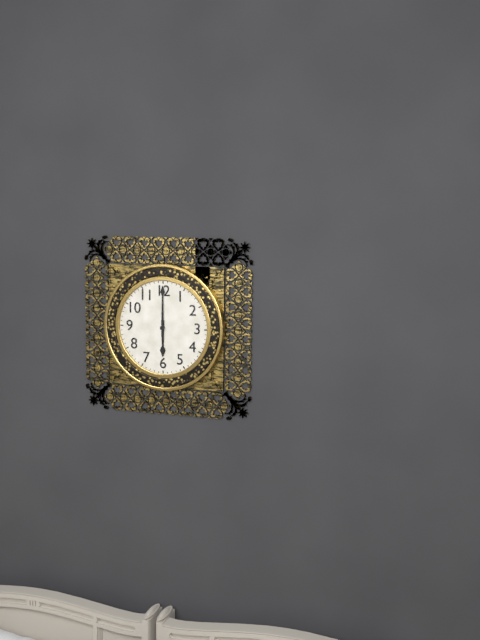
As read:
h=6 m=0
